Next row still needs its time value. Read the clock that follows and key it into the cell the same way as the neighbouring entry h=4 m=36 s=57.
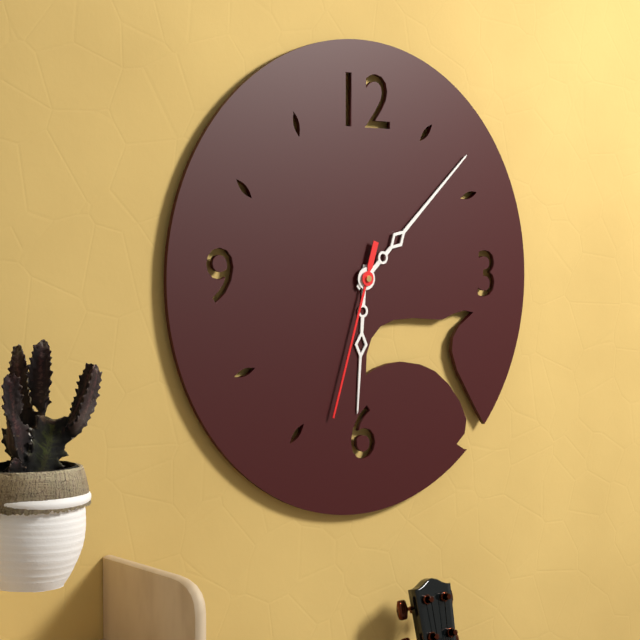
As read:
h=6 m=8 s=33
